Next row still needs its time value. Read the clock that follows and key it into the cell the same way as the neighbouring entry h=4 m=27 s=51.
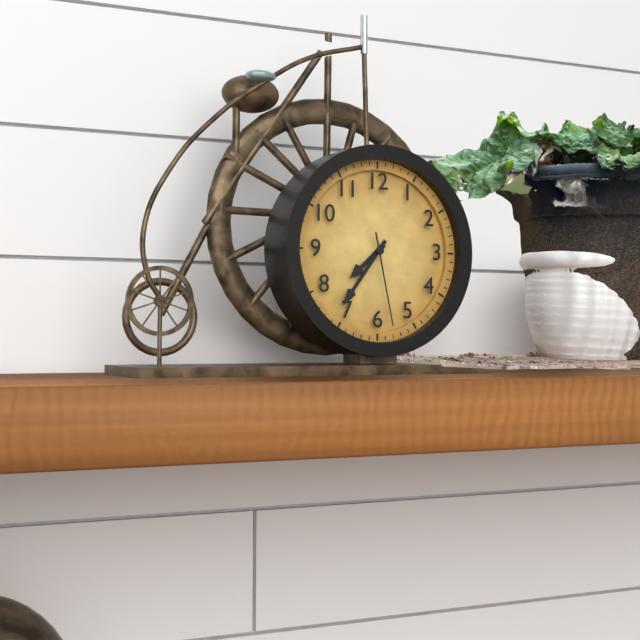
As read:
h=7 m=36 s=28
